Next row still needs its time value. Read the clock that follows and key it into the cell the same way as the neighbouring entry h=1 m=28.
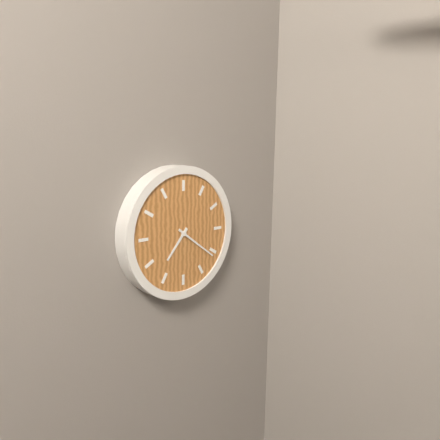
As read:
h=7 m=21
